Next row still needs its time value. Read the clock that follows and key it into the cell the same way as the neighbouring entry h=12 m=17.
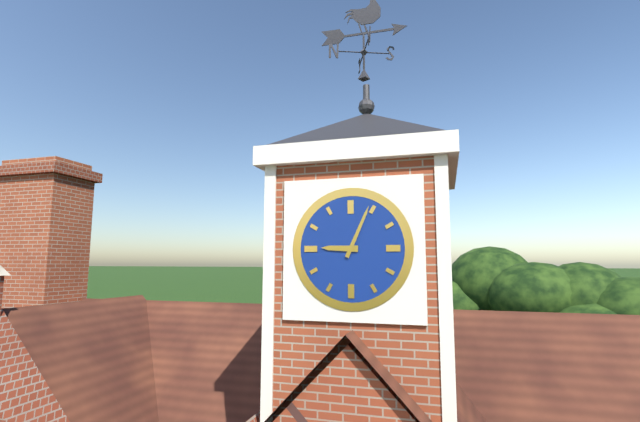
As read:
h=9 m=4
